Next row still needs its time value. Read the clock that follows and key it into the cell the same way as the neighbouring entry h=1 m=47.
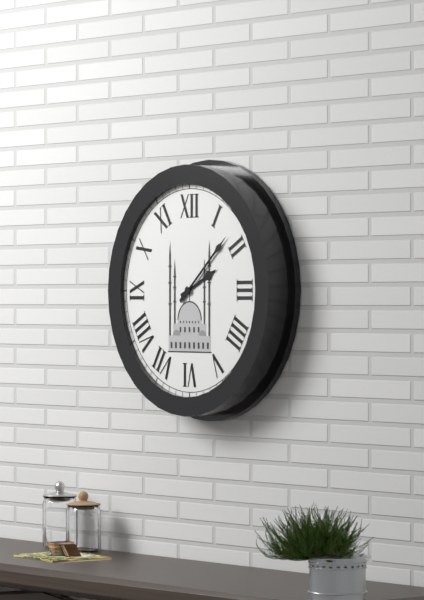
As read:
h=2 m=8
